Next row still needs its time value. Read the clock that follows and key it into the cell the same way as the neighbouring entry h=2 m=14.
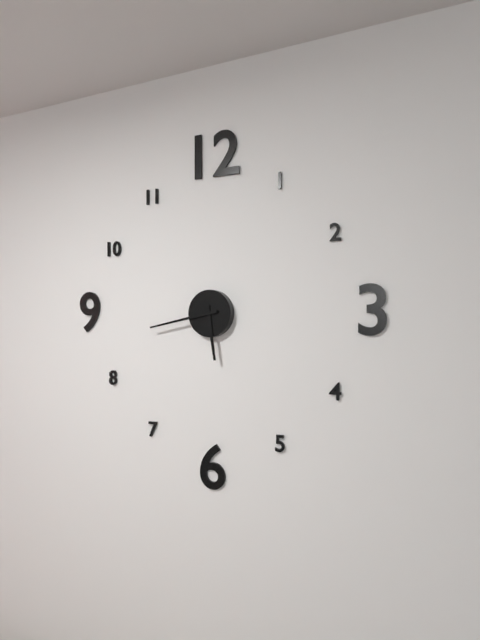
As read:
h=5 m=43
